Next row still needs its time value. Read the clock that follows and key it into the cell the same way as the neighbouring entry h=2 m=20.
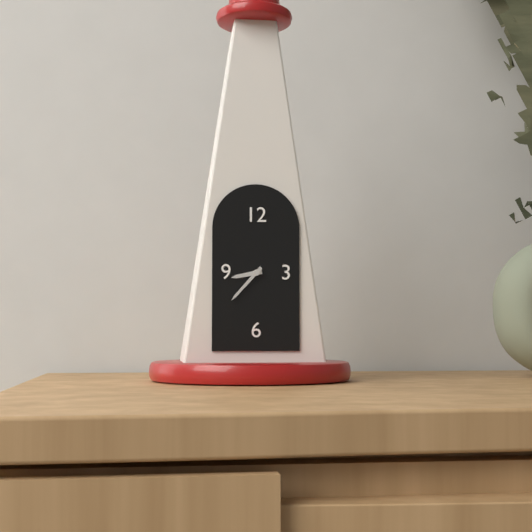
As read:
h=8 m=37
